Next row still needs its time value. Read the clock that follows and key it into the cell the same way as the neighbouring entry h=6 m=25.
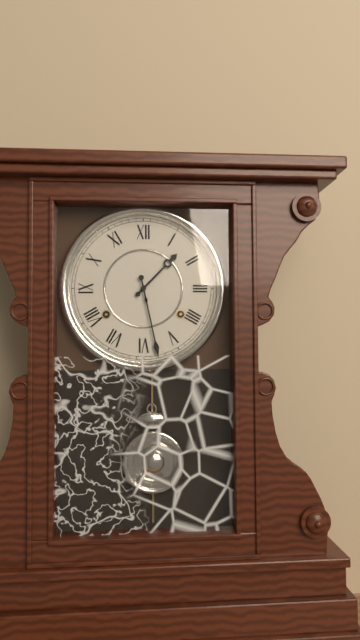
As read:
h=1 m=28
